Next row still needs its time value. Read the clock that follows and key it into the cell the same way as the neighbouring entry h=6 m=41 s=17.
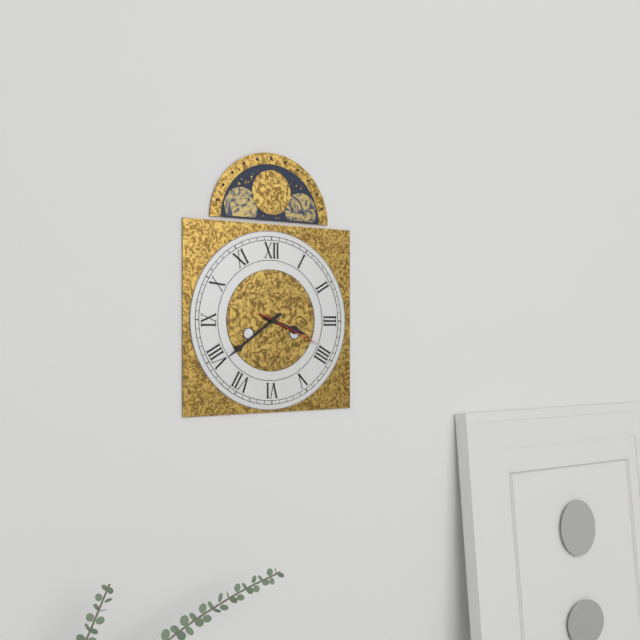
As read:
h=3 m=39 s=19
